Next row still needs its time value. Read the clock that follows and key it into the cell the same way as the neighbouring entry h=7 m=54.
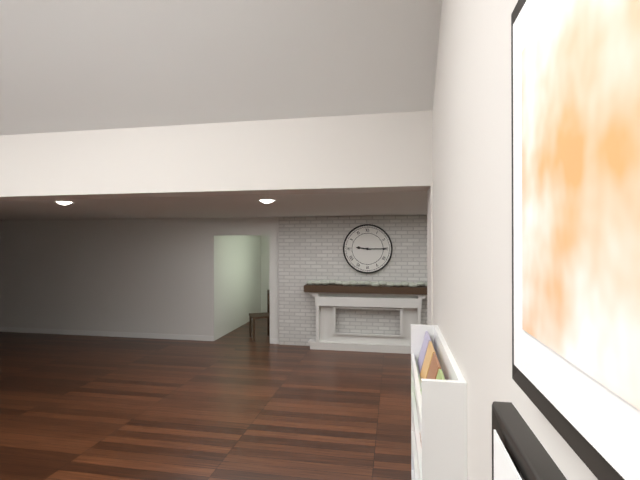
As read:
h=9 m=15
